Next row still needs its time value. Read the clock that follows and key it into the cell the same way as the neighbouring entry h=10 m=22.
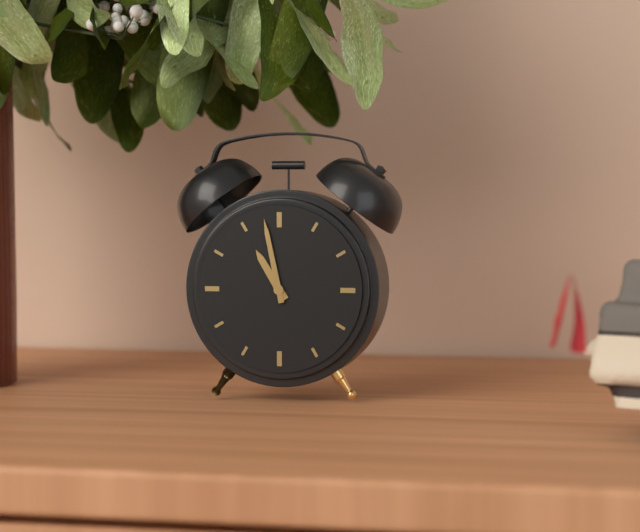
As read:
h=10 m=58
